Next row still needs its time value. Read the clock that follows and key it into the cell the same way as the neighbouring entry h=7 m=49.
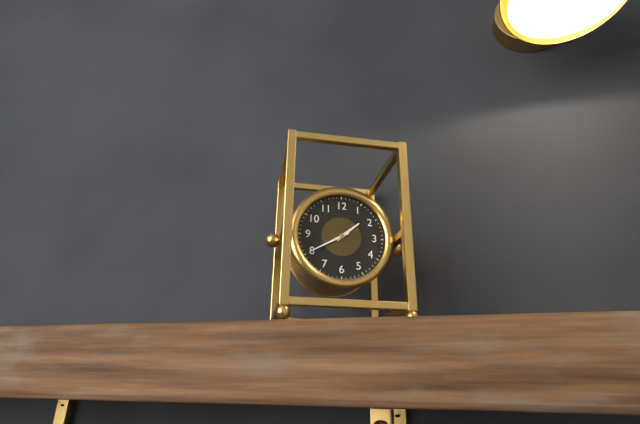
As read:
h=1 m=40
